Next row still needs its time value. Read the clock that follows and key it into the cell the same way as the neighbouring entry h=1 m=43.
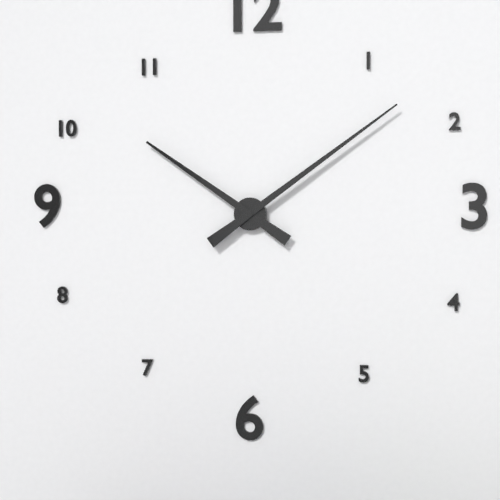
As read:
h=10 m=9
